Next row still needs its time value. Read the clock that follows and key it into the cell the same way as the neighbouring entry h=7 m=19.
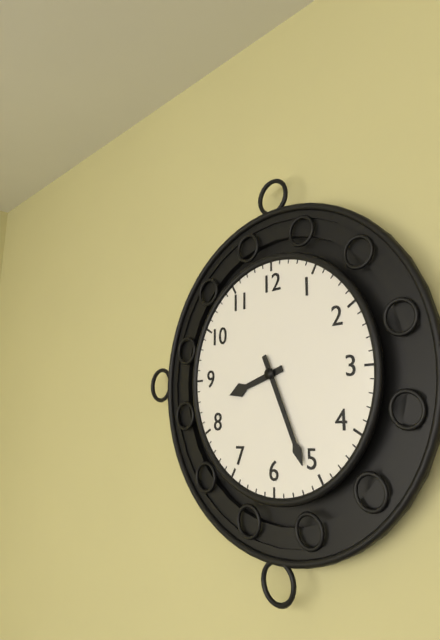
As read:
h=8 m=26
